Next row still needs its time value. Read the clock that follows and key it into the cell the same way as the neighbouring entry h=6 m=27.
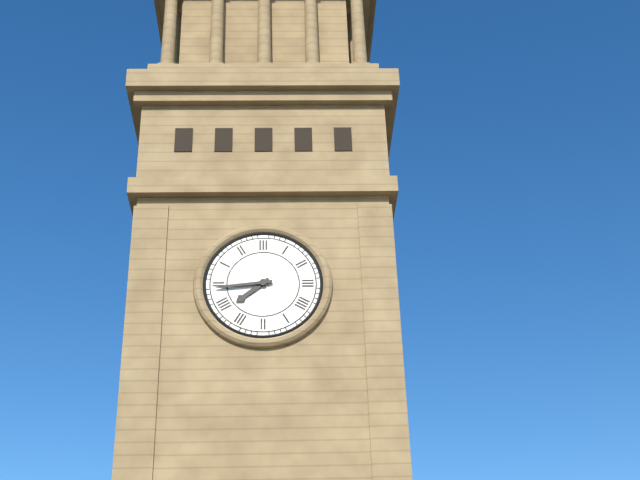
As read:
h=7 m=44
